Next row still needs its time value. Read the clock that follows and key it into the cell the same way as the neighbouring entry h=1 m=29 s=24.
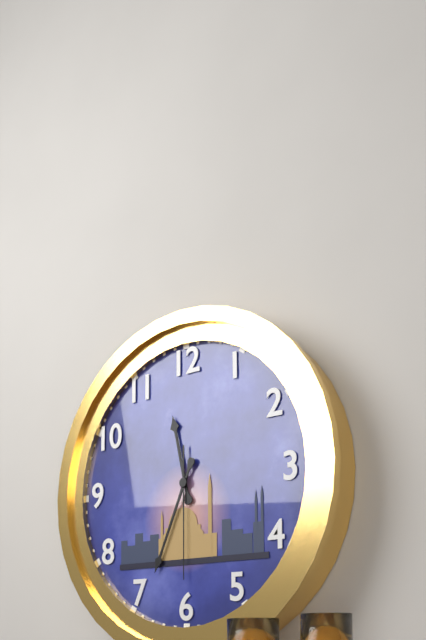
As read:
h=11 m=34 s=30
